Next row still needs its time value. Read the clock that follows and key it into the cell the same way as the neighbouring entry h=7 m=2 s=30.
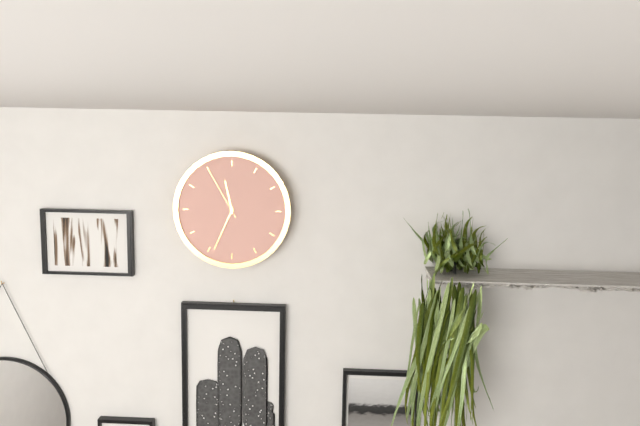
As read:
h=11 m=34 s=55
